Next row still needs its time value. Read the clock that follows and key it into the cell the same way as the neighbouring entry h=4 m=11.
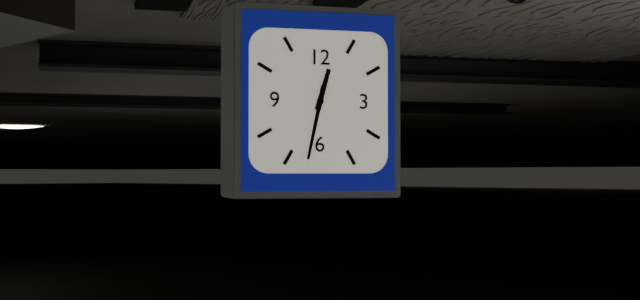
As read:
h=12 m=32
